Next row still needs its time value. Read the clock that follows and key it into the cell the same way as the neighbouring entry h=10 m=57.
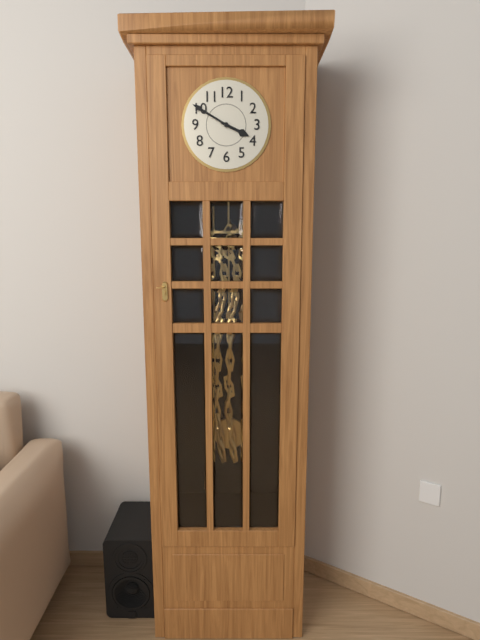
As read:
h=3 m=50
